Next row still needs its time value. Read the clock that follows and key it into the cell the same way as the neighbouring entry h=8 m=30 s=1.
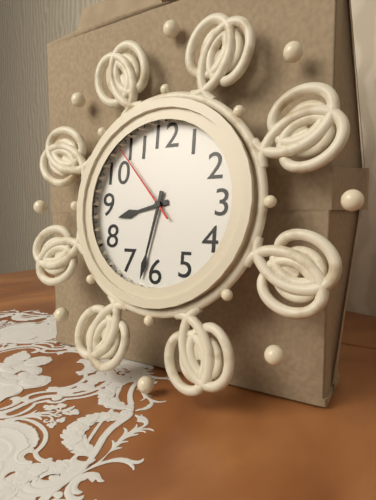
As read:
h=8 m=32 s=53
